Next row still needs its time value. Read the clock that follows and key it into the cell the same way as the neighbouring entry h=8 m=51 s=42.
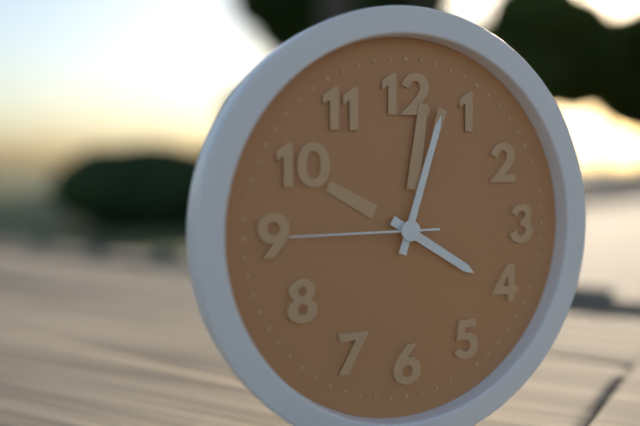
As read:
h=4 m=3 s=45
